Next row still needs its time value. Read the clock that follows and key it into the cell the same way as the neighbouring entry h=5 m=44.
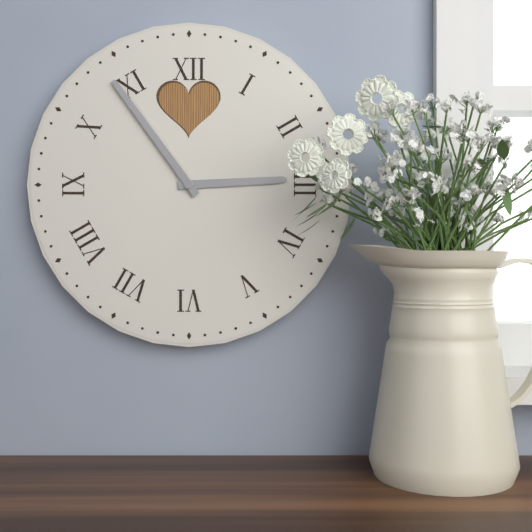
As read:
h=2 m=54
